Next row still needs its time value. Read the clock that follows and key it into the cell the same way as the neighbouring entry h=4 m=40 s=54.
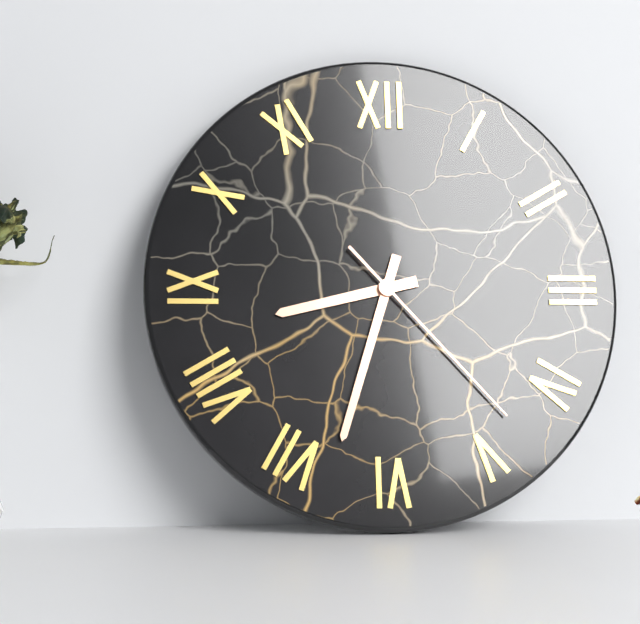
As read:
h=8 m=33 s=23
